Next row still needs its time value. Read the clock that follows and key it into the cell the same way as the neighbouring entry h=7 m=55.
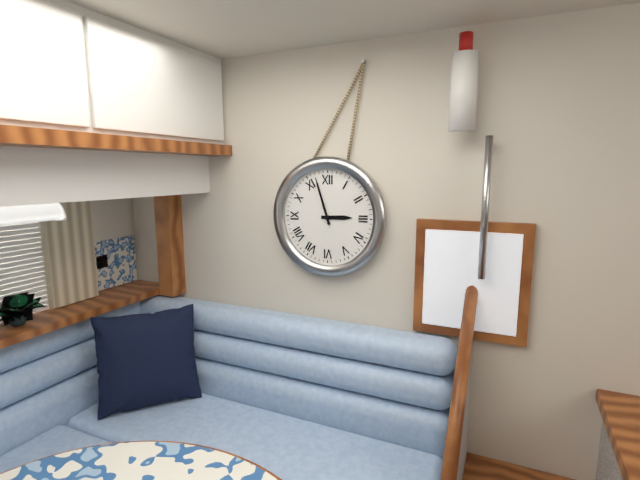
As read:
h=2 m=57
